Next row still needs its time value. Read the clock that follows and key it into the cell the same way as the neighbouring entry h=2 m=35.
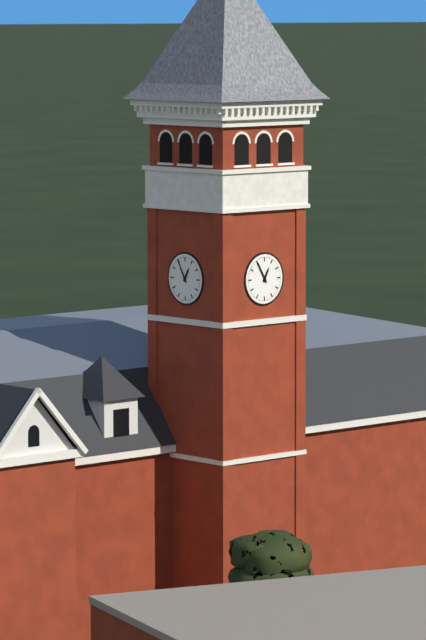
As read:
h=12 m=55
